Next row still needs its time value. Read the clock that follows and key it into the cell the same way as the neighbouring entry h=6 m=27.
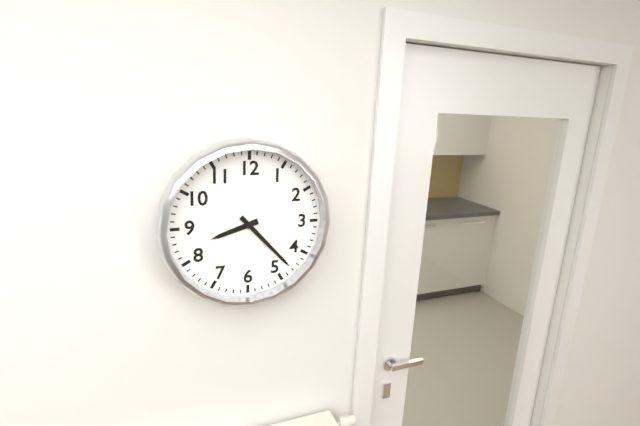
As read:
h=8 m=23
